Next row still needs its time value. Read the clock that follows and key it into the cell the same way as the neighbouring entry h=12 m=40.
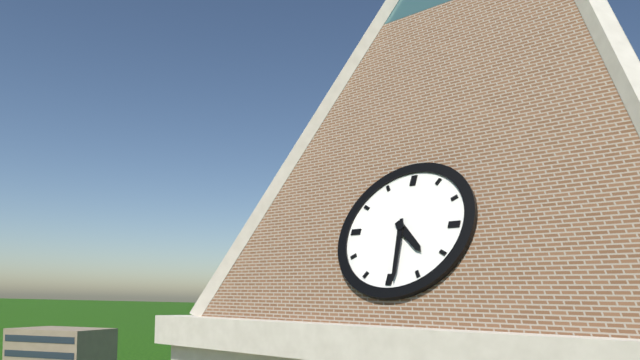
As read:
h=4 m=29
